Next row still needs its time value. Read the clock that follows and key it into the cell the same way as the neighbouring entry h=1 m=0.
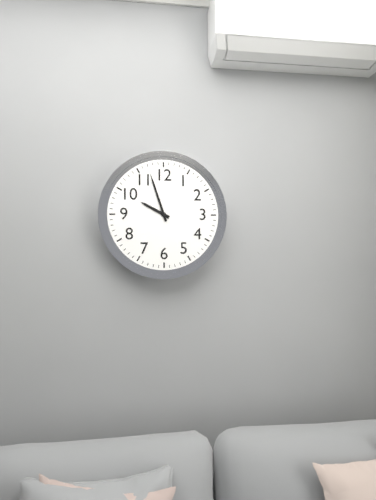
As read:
h=9 m=57
